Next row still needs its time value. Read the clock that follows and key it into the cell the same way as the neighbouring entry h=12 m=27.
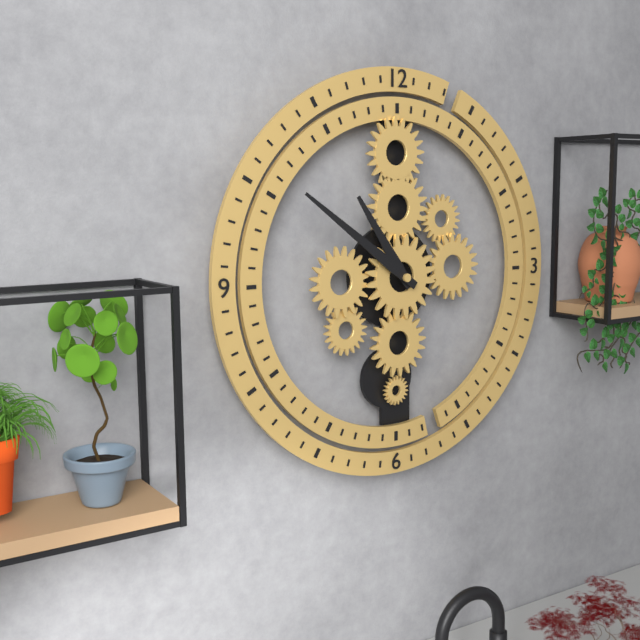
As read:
h=10 m=51
